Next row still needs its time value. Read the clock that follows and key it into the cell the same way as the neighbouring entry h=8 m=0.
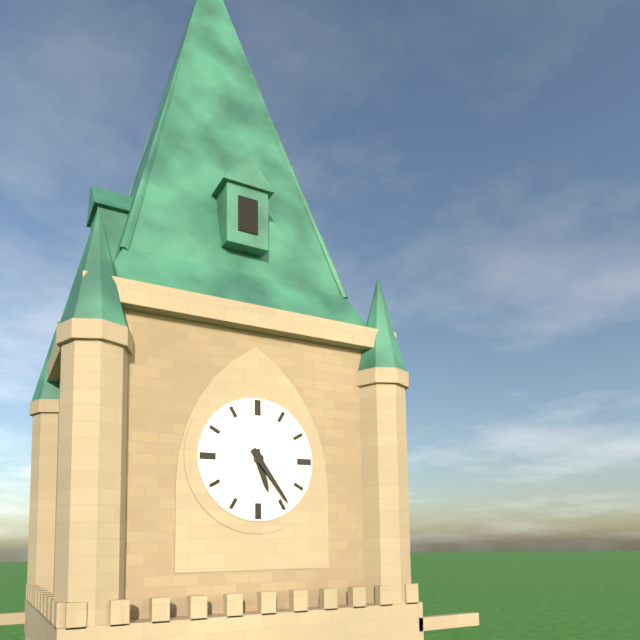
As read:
h=5 m=24
